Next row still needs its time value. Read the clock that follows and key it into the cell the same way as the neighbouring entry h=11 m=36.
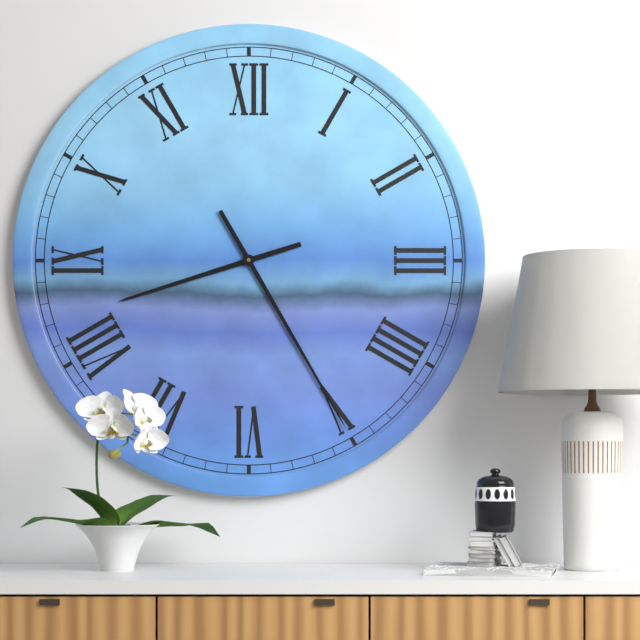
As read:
h=8 m=25
